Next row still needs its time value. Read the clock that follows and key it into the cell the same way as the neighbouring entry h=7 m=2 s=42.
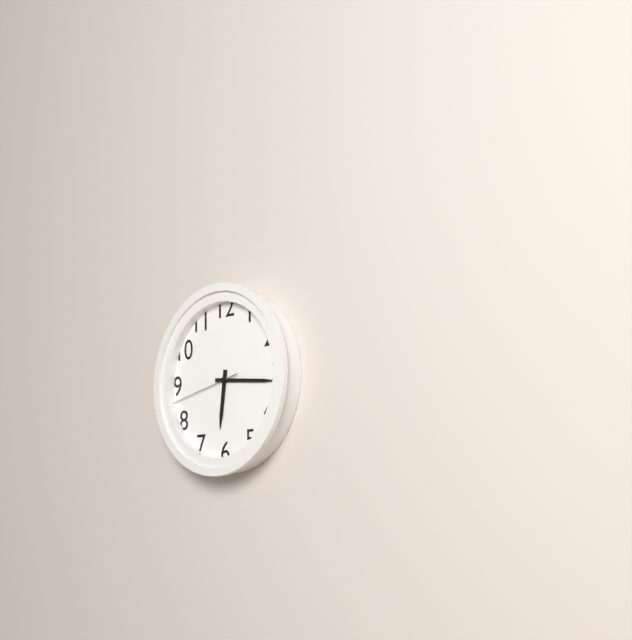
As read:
h=6 m=16 s=43
